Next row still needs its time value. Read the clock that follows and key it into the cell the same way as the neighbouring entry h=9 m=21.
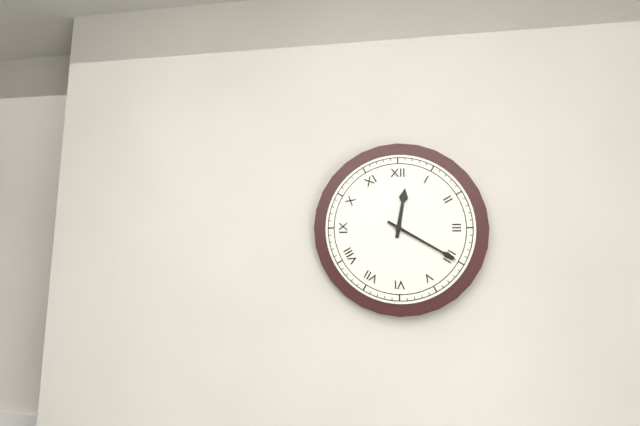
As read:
h=12 m=20
